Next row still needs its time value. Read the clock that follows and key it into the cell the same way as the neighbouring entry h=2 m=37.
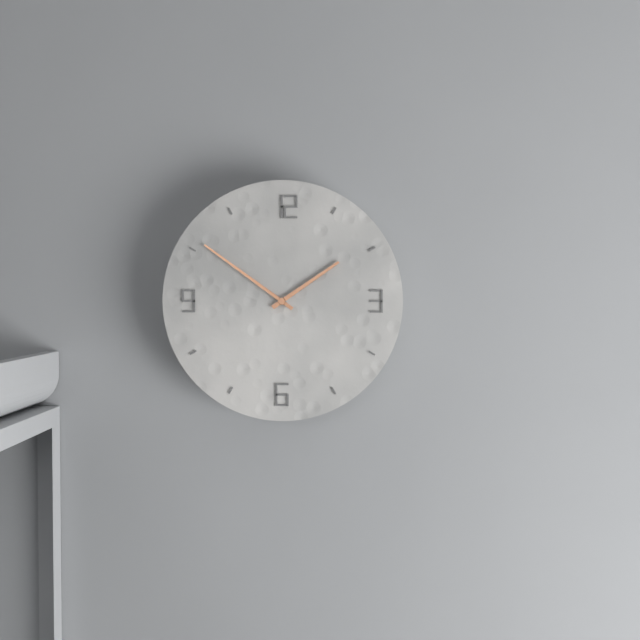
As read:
h=1 m=51
